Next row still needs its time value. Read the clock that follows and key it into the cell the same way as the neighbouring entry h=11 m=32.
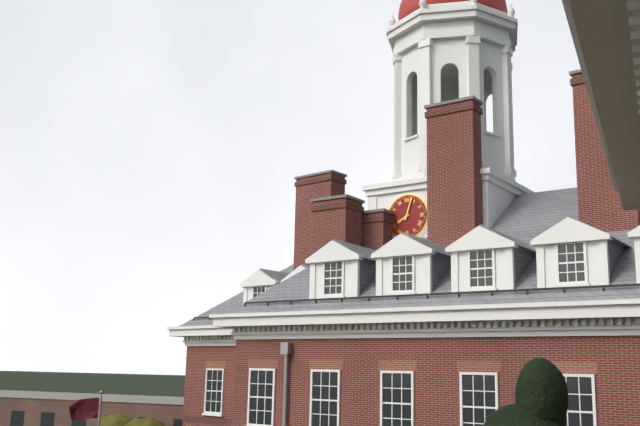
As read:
h=8 m=3
